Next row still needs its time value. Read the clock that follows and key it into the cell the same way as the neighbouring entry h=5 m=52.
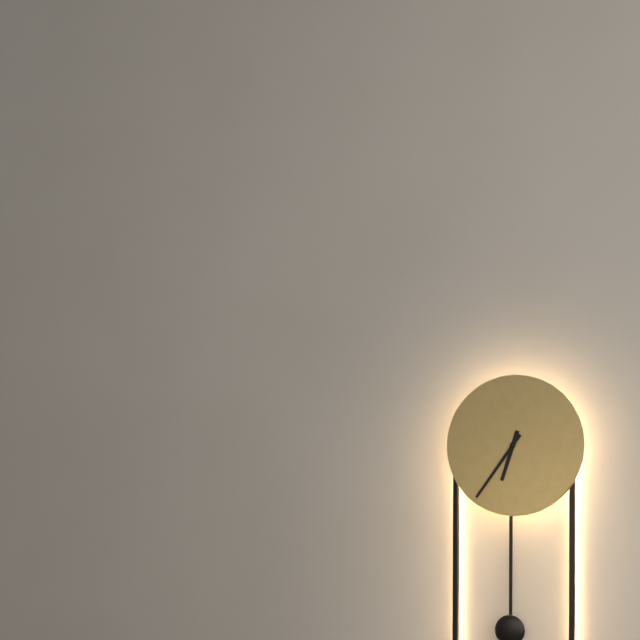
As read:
h=6 m=36
